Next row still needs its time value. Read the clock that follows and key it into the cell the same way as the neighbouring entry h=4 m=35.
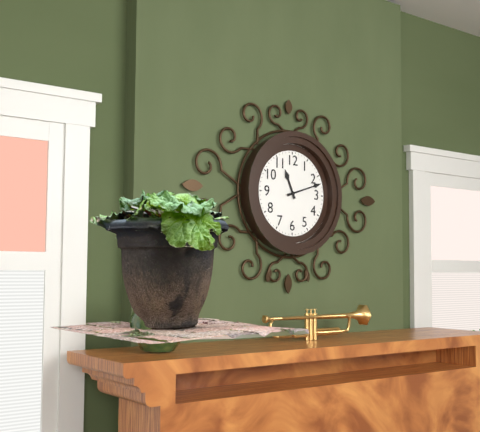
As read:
h=11 m=12
